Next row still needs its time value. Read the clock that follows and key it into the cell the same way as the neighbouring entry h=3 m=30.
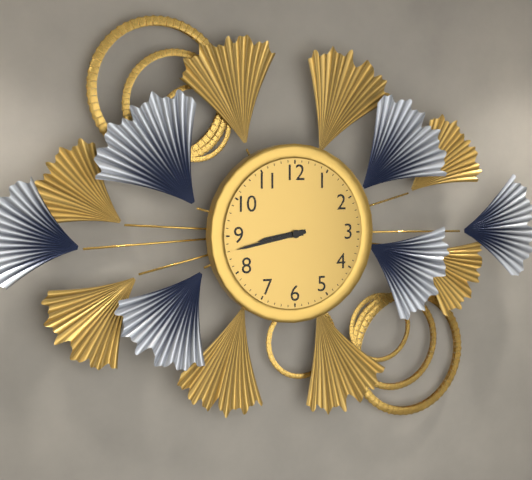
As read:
h=8 m=43
